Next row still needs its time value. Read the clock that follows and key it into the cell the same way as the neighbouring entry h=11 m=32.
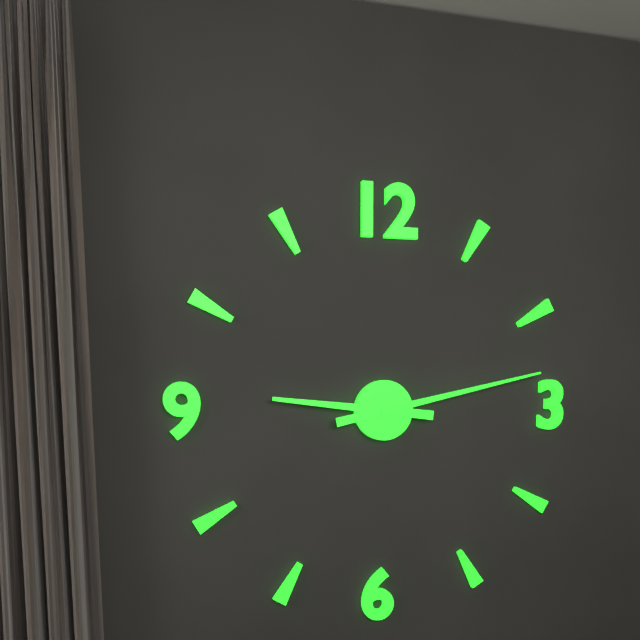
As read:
h=9 m=13
